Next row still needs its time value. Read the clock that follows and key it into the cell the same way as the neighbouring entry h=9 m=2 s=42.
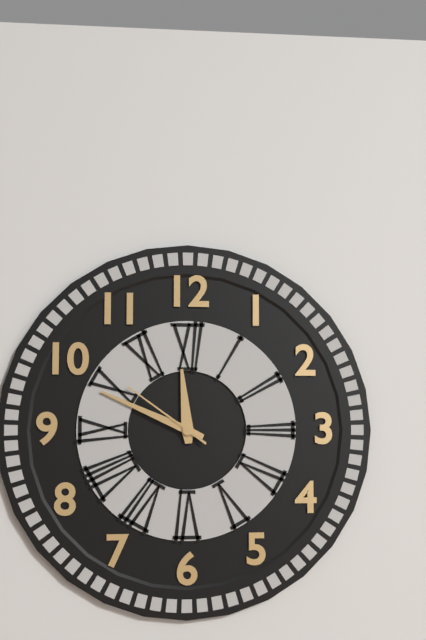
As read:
h=11 m=49 s=51
